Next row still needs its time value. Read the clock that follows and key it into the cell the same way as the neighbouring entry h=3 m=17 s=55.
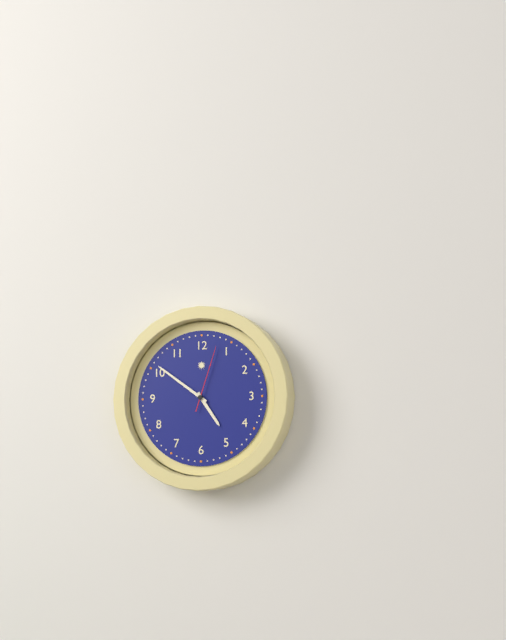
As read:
h=4 m=51 s=3
